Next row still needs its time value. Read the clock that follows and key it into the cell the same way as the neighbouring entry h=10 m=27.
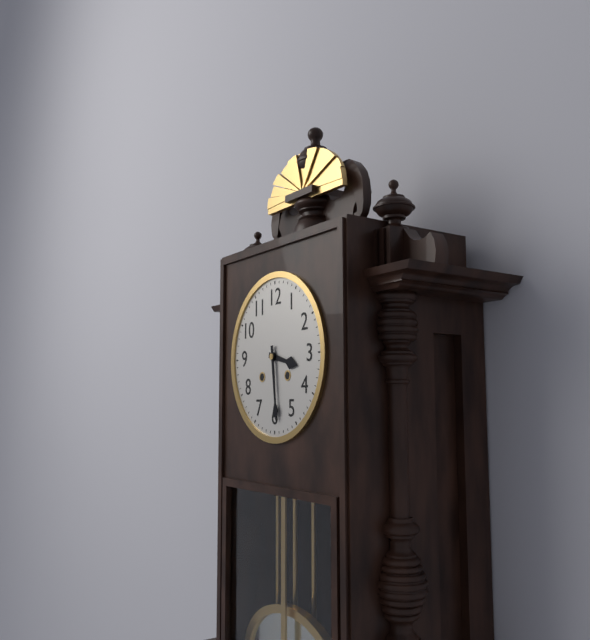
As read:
h=3 m=29
